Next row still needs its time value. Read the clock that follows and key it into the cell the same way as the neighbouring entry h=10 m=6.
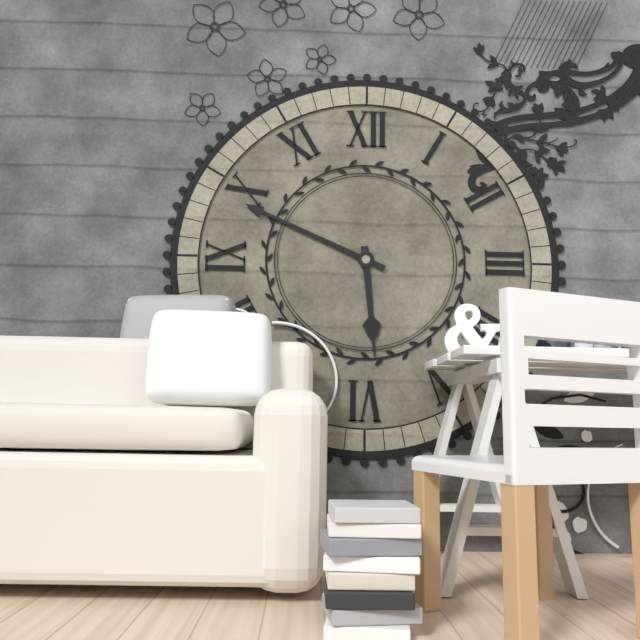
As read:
h=5 m=49
